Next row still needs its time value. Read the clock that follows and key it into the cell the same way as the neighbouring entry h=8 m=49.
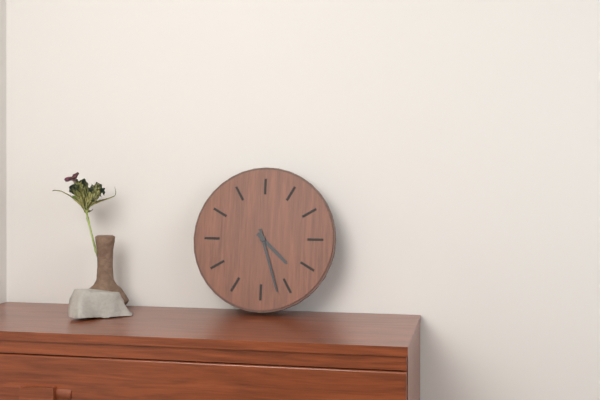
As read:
h=4 m=27
